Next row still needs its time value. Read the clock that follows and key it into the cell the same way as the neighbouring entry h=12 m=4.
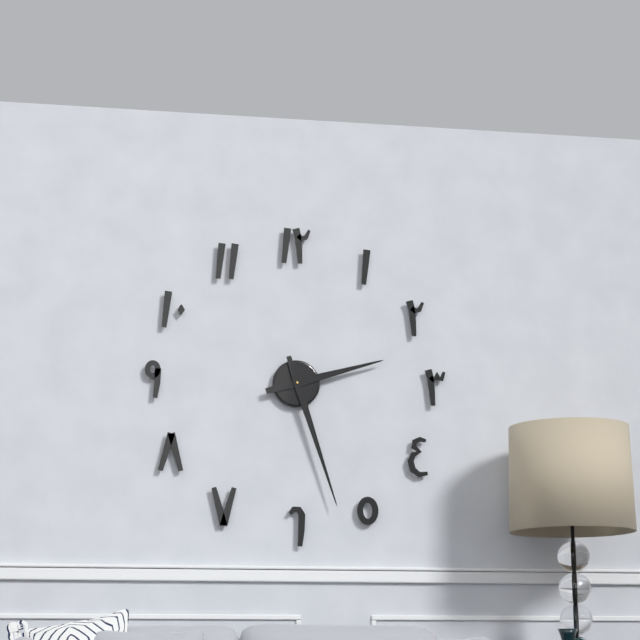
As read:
h=2 m=27
